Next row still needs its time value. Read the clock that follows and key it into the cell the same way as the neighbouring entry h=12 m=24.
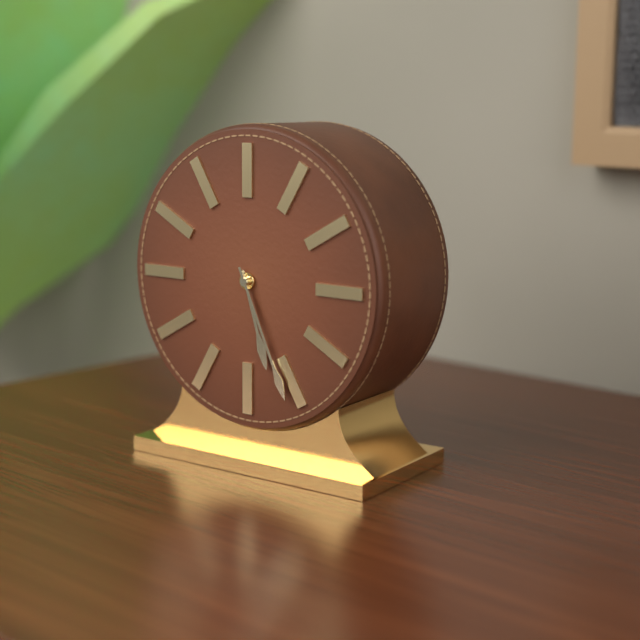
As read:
h=5 m=26
